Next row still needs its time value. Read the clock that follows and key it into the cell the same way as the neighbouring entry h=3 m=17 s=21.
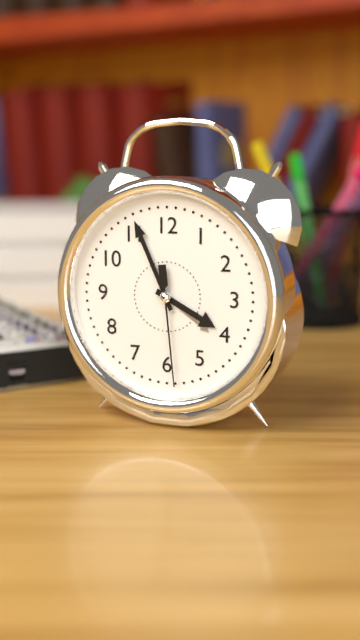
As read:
h=3 m=56 s=29
